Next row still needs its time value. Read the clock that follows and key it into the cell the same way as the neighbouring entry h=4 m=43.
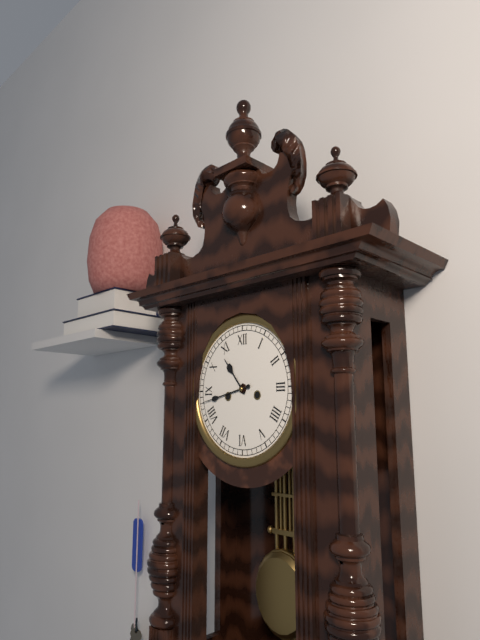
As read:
h=10 m=43
